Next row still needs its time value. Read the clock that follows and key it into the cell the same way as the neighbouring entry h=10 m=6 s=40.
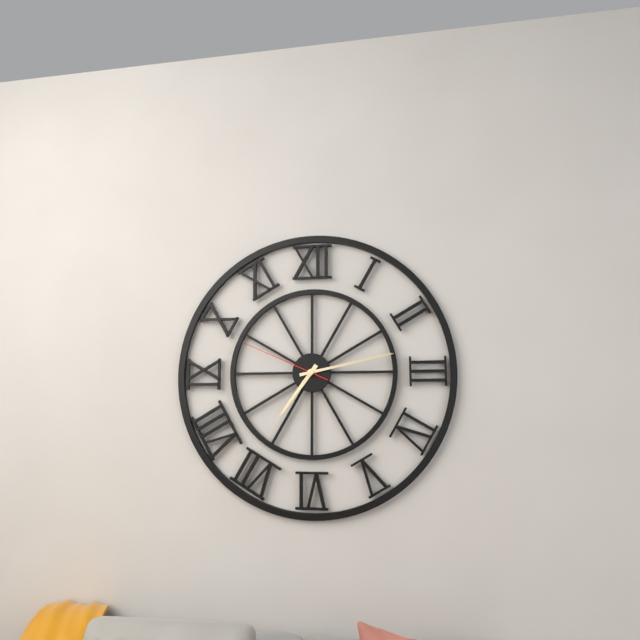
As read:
h=7 m=13 s=49
